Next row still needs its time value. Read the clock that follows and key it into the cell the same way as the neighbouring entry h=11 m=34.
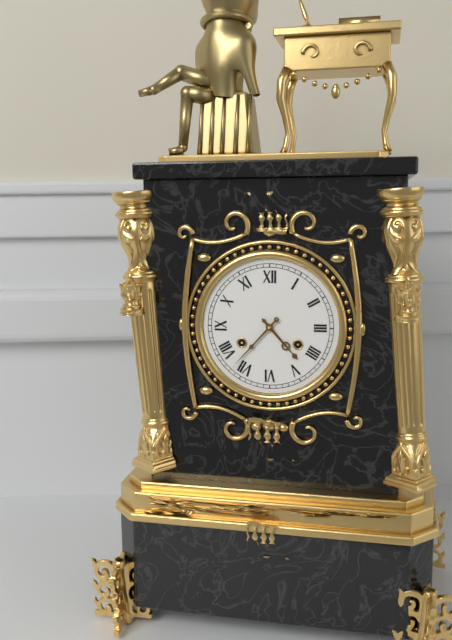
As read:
h=4 m=37
